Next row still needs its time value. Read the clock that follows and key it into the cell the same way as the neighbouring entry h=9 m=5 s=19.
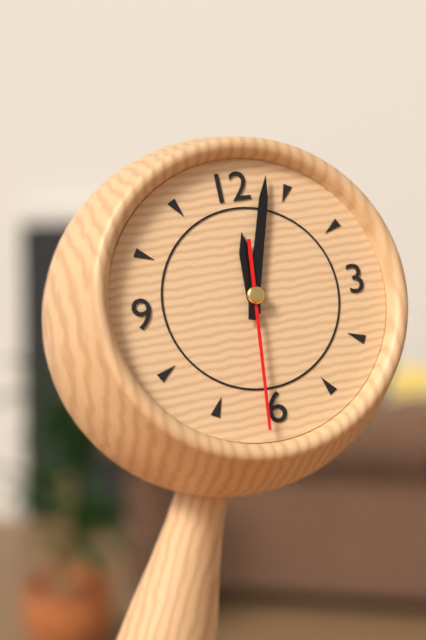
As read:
h=12 m=3 s=31
